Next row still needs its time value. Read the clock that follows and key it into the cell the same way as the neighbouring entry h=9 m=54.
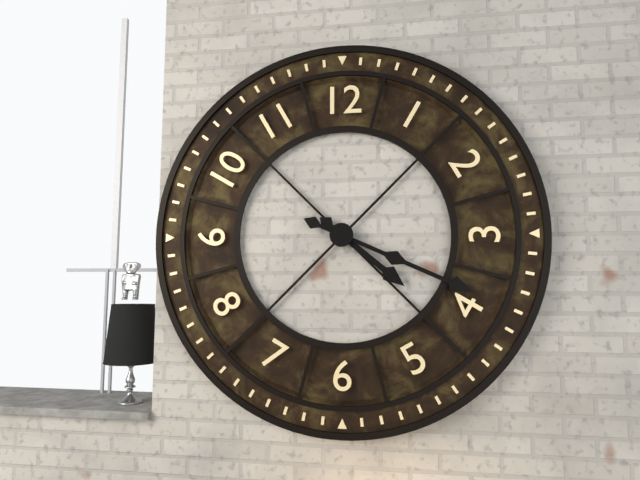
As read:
h=4 m=19
